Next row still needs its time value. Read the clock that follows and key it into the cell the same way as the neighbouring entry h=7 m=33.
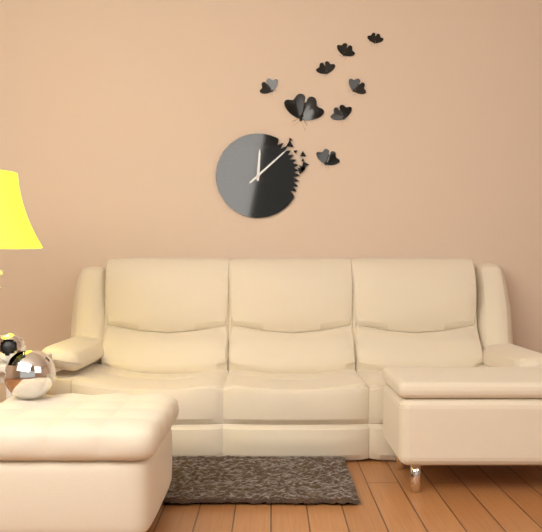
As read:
h=12 m=8
